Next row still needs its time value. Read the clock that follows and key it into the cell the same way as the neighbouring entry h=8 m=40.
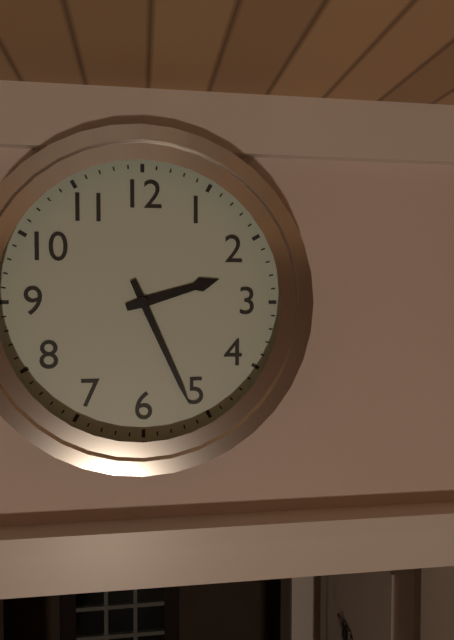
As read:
h=2 m=26
